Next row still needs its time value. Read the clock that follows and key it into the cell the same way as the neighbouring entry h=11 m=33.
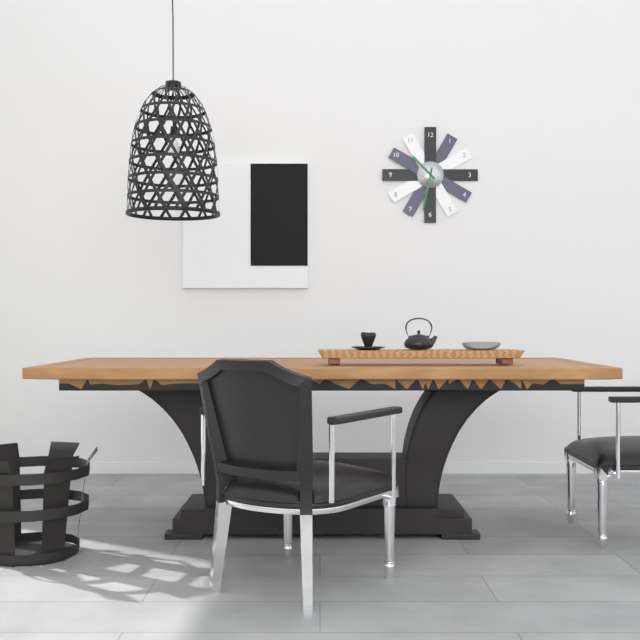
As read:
h=10 m=32
